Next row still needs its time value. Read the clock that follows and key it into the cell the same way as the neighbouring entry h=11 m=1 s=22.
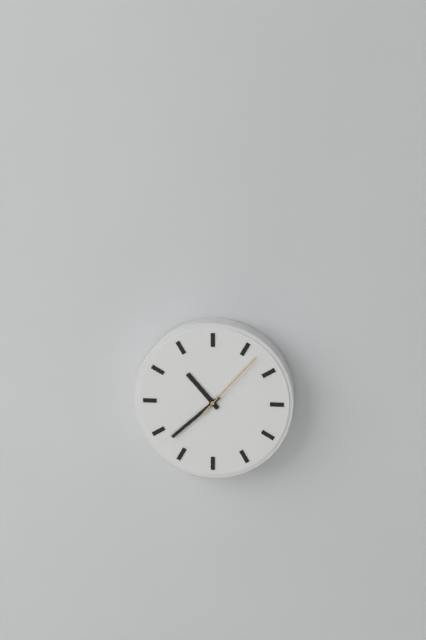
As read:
h=10 m=38 s=7
